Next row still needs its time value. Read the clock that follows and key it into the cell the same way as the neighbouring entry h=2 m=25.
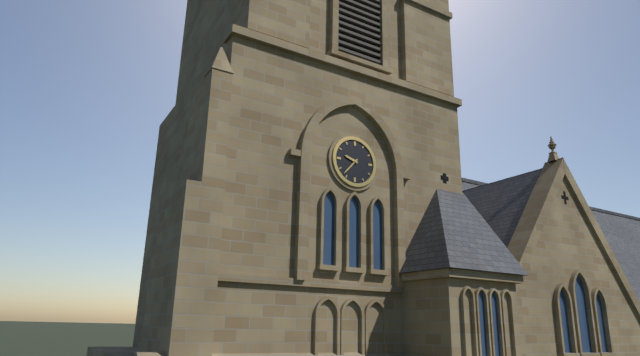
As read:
h=9 m=37
